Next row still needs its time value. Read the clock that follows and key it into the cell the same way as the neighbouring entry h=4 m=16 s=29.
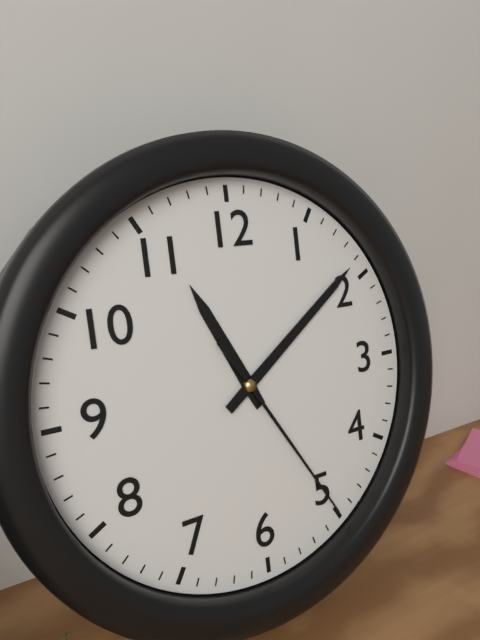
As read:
h=11 m=9 s=25
